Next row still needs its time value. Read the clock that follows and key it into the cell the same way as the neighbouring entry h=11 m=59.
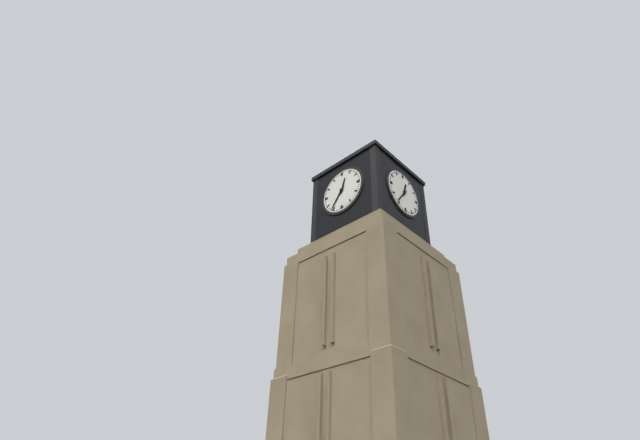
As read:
h=12 m=36
